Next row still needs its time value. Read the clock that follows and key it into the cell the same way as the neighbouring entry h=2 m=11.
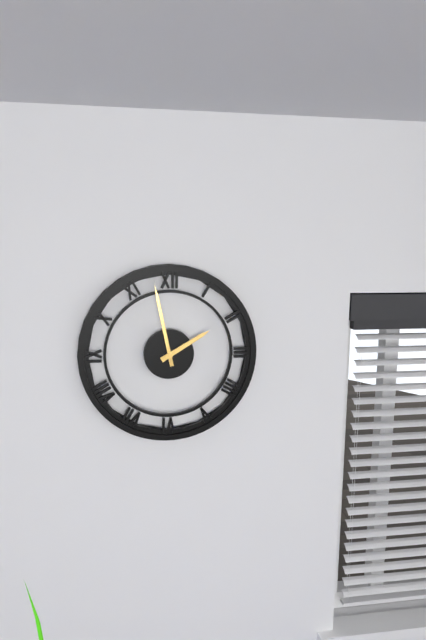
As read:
h=1 m=58
